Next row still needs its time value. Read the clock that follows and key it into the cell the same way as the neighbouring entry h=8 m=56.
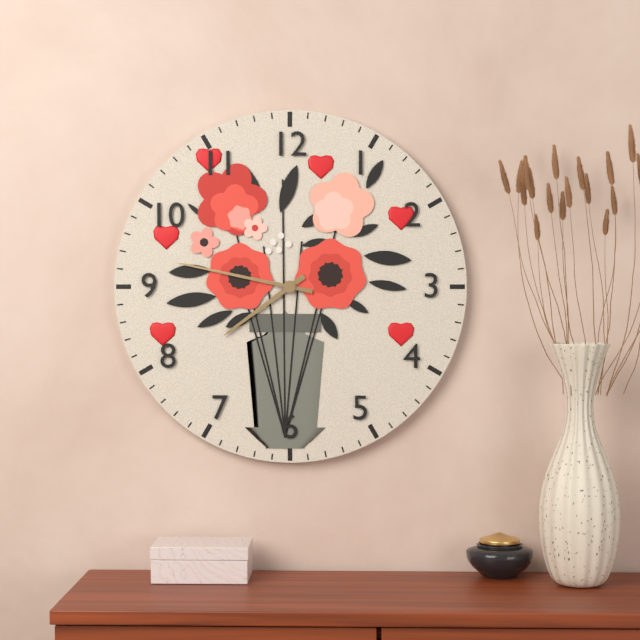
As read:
h=7 m=47
